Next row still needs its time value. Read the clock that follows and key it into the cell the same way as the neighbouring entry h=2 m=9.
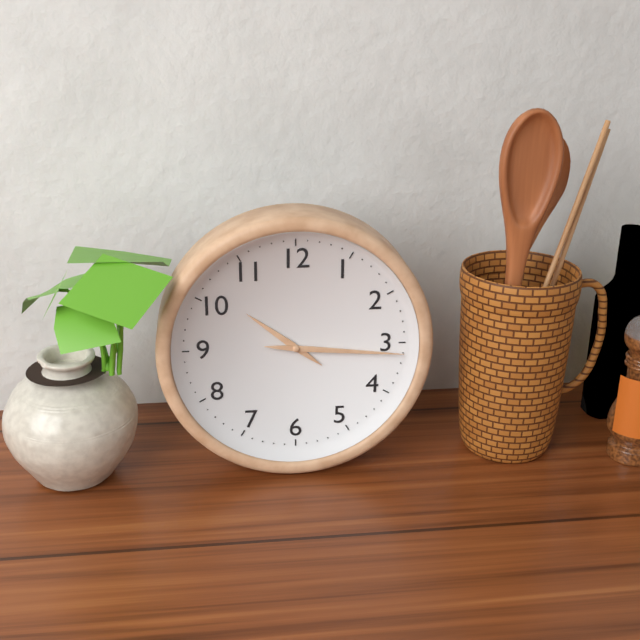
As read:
h=10 m=16
